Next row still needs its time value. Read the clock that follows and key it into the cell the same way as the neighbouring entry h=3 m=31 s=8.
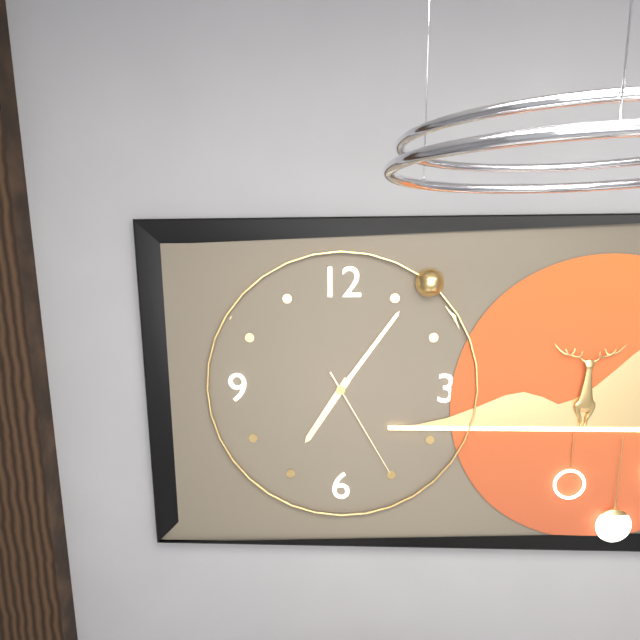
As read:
h=7 m=6 s=25
